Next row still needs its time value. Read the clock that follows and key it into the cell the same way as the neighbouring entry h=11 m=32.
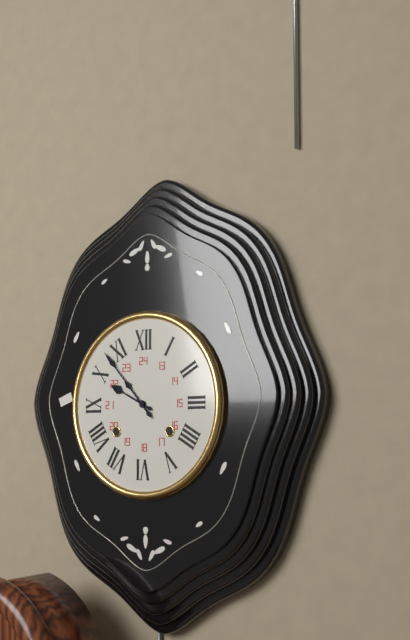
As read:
h=9 m=53
